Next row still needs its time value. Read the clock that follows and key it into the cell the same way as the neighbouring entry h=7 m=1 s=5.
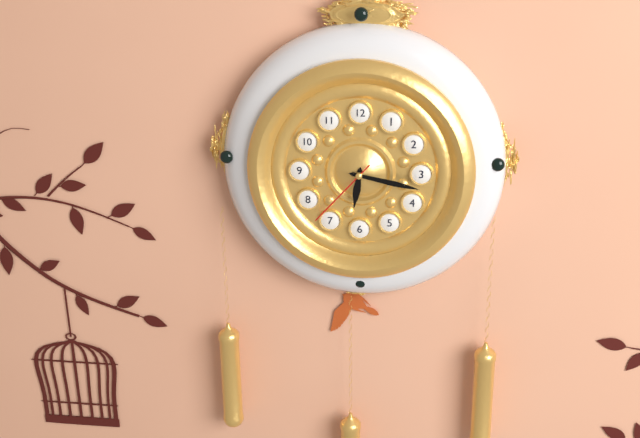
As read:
h=6 m=17 s=37
